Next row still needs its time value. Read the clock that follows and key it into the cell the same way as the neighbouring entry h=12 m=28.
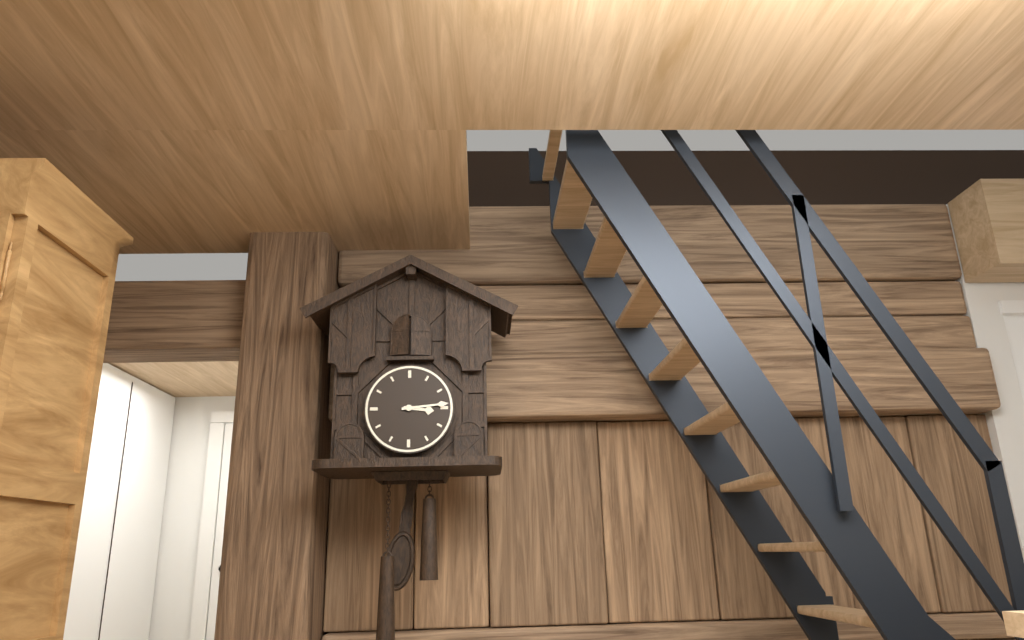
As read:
h=3 m=14
